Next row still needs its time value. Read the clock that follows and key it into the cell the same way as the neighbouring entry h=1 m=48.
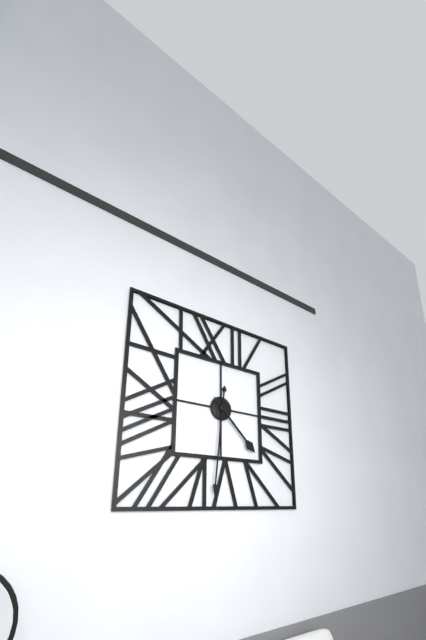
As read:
h=4 m=31
